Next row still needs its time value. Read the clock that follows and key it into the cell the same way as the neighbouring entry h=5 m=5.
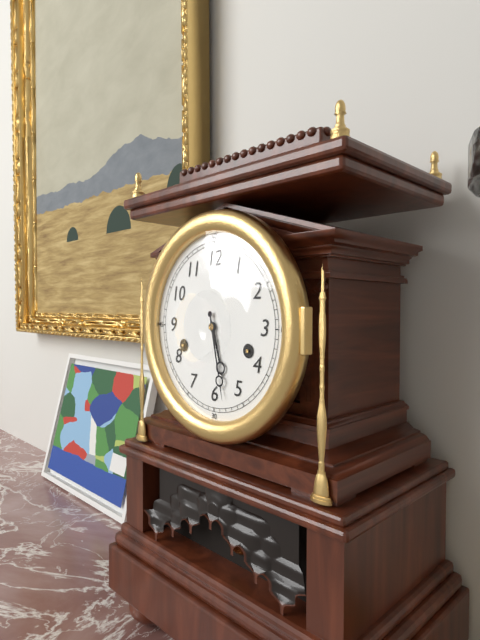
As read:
h=5 m=28
